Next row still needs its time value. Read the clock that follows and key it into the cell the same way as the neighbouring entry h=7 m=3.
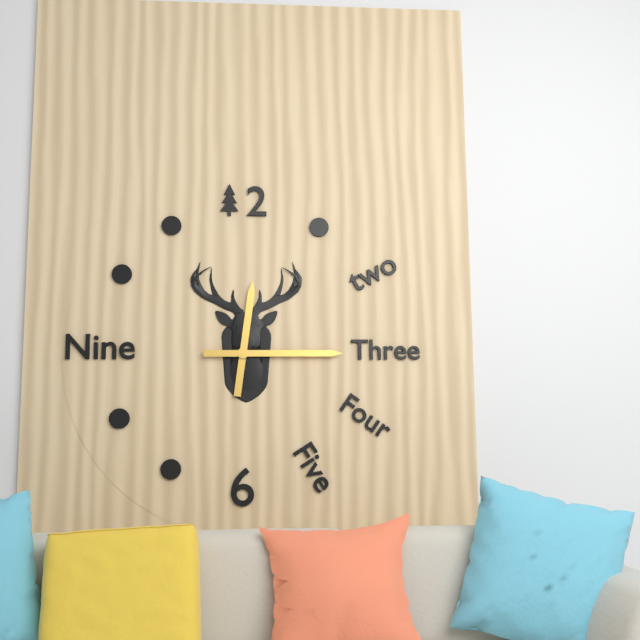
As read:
h=12 m=15
